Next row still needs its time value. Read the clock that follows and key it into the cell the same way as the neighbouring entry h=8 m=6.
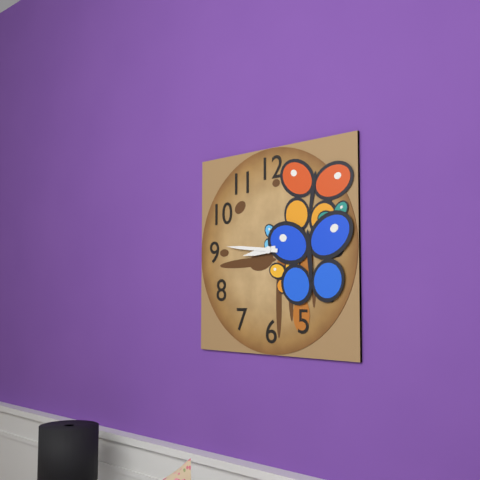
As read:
h=8 m=46
